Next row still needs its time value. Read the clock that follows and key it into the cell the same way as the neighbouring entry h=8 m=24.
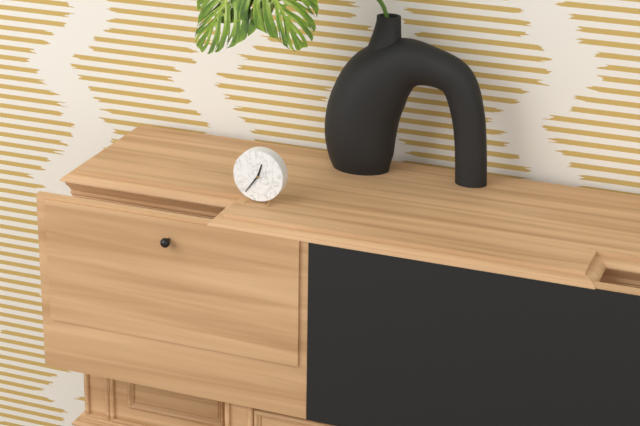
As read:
h=12 m=36
